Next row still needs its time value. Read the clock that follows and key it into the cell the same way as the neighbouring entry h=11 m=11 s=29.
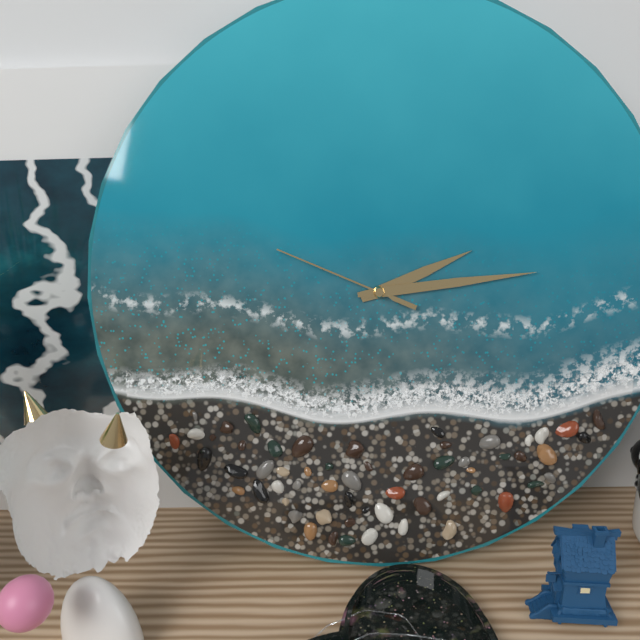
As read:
h=2 m=14 s=49
